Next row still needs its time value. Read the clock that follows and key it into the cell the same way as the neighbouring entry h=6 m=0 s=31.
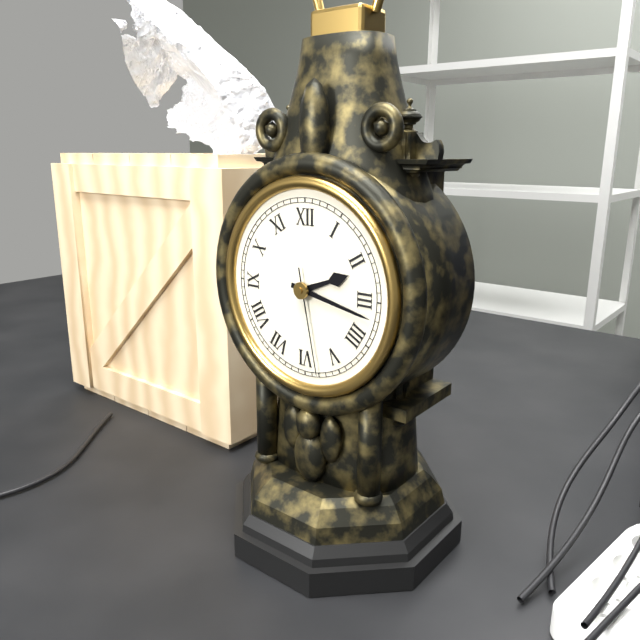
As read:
h=2 m=17 s=28
